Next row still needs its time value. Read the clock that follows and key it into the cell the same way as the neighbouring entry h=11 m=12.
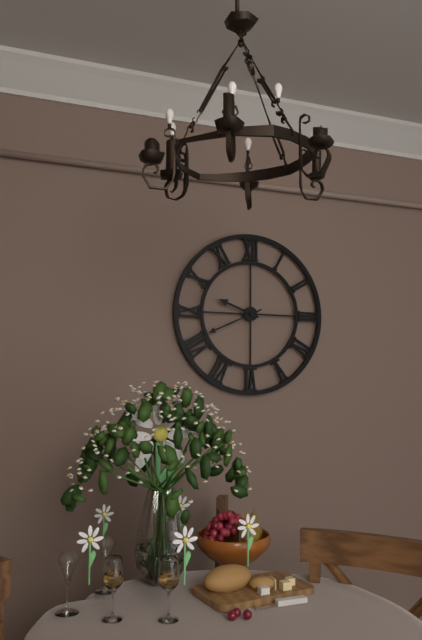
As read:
h=9 m=41
